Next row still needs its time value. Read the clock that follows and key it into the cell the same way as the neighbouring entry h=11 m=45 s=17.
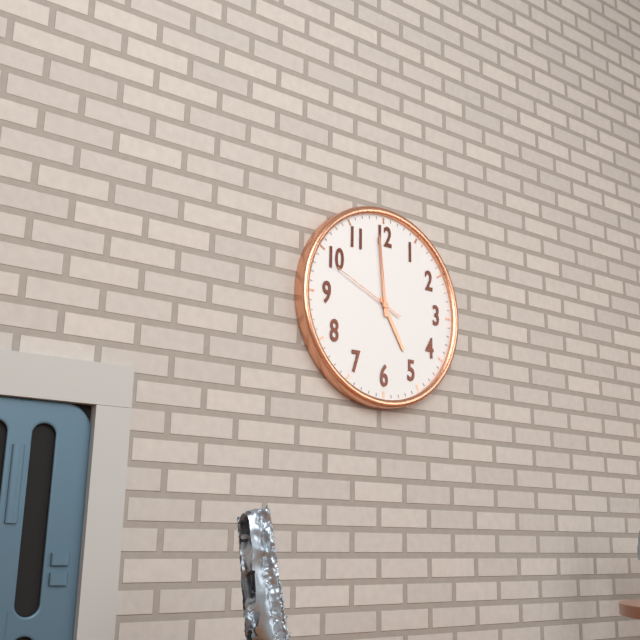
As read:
h=4 m=59 s=49
